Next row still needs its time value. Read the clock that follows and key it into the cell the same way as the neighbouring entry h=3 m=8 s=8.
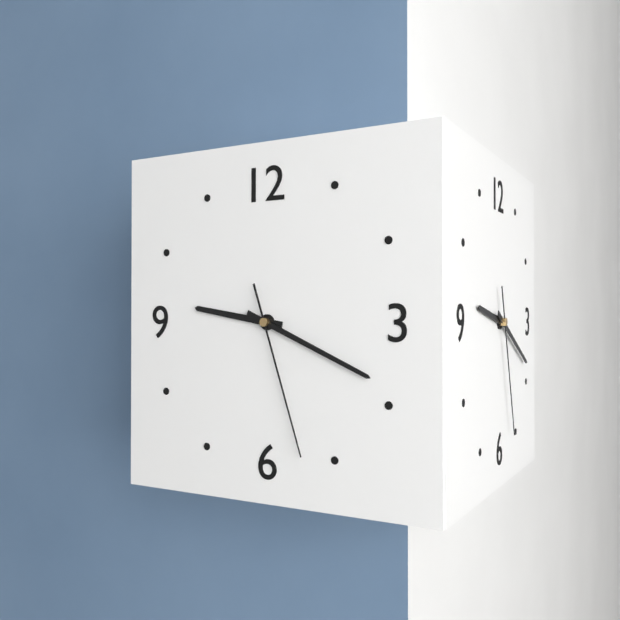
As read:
h=9 m=19 s=27
